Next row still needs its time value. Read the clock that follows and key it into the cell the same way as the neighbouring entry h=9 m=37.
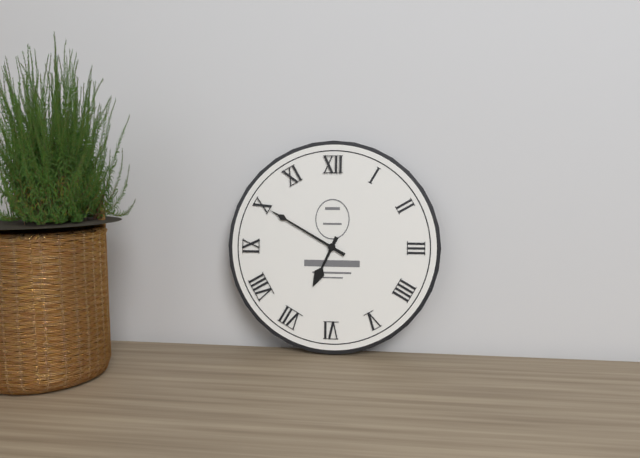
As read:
h=6 m=50
